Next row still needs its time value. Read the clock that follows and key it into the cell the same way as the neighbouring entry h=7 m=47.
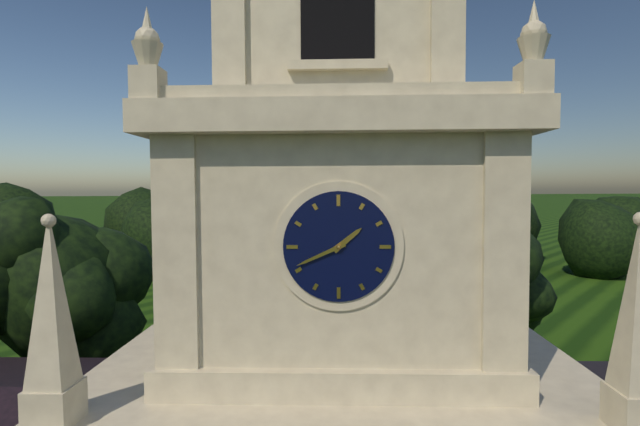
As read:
h=1 m=41
